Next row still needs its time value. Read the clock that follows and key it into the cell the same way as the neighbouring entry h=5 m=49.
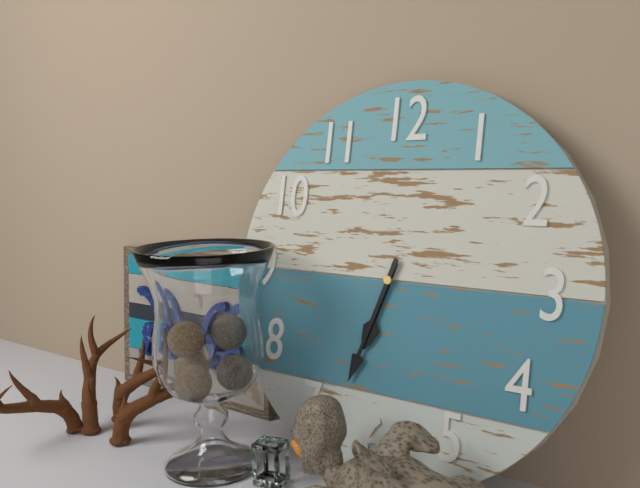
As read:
h=6 m=33
